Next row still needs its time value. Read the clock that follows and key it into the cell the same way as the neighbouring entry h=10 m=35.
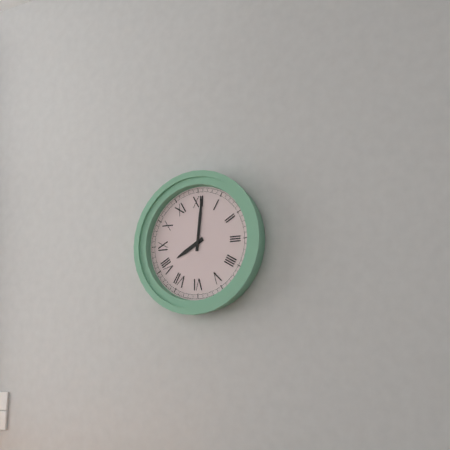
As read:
h=8 m=1
